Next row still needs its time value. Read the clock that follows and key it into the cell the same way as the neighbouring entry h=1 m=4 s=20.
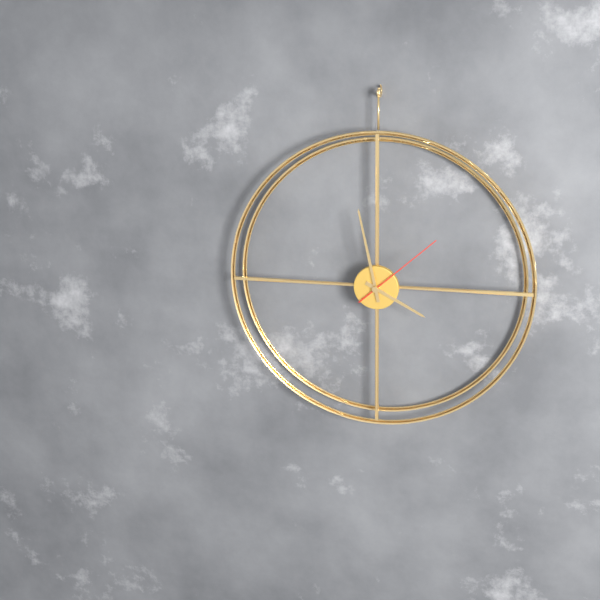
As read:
h=3 m=58 s=8
